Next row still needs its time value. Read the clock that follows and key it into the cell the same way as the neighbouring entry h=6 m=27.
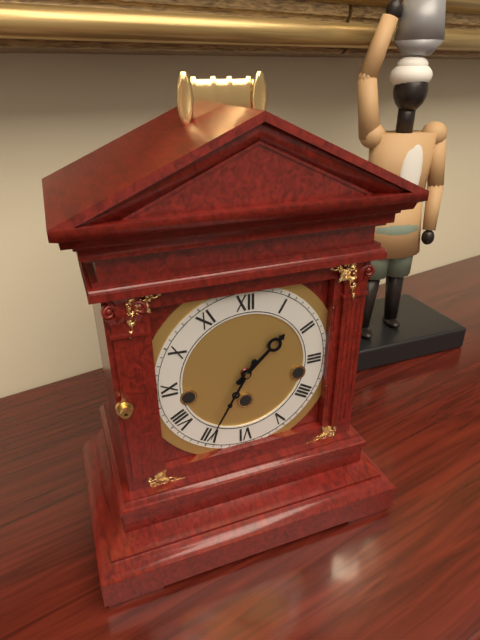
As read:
h=1 m=35
